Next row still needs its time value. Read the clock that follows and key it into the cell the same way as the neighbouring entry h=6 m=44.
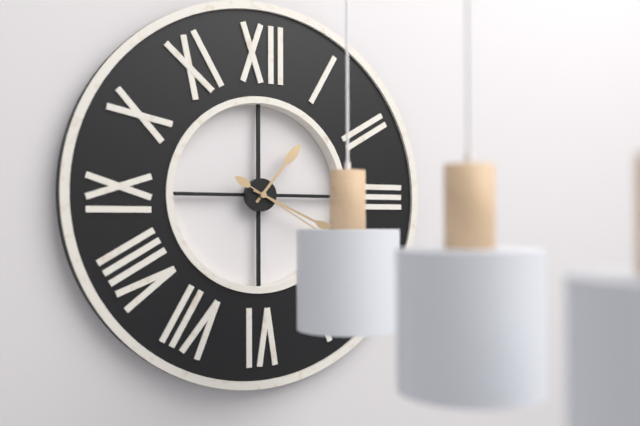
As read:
h=1 m=19
